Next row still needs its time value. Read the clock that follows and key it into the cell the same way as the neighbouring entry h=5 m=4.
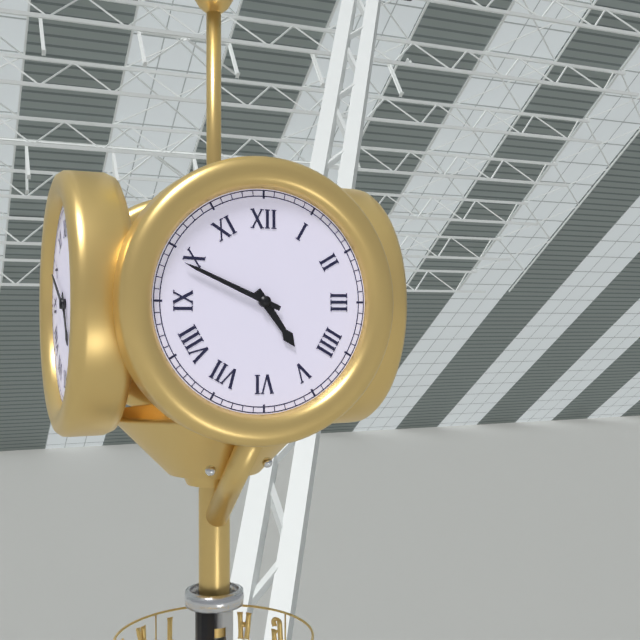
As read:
h=4 m=49
